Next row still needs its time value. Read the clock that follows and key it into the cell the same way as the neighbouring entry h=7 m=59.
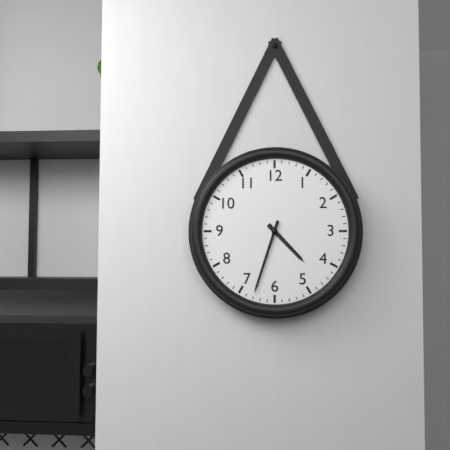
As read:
h=4 m=33
